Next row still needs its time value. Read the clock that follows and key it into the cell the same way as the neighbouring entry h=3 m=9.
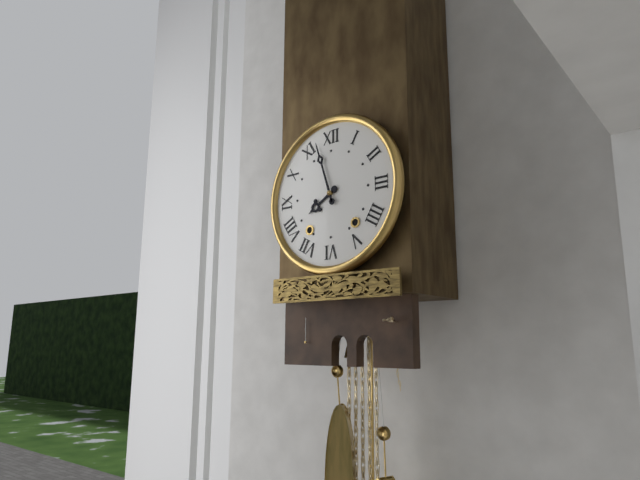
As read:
h=7 m=57
